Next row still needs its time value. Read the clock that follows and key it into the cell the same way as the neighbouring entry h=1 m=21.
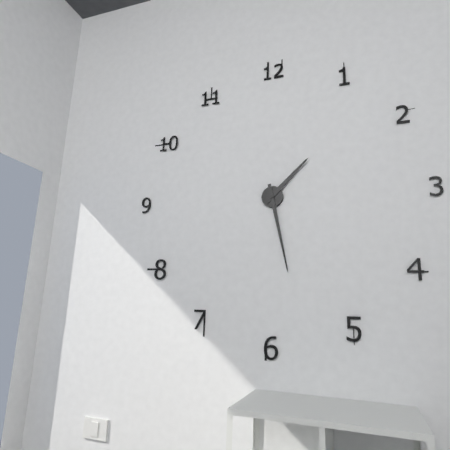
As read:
h=1 m=28
